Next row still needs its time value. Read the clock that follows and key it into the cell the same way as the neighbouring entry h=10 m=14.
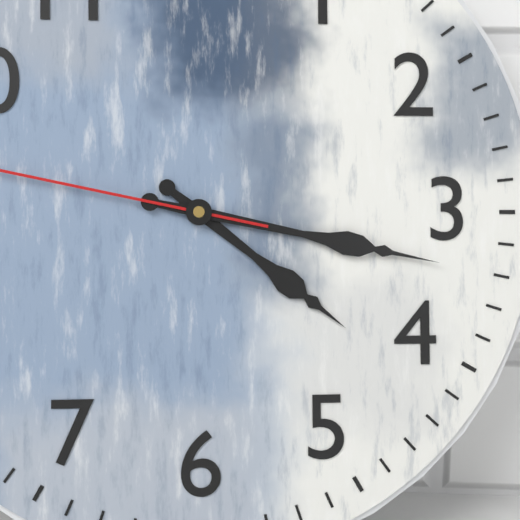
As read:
h=4 m=17
